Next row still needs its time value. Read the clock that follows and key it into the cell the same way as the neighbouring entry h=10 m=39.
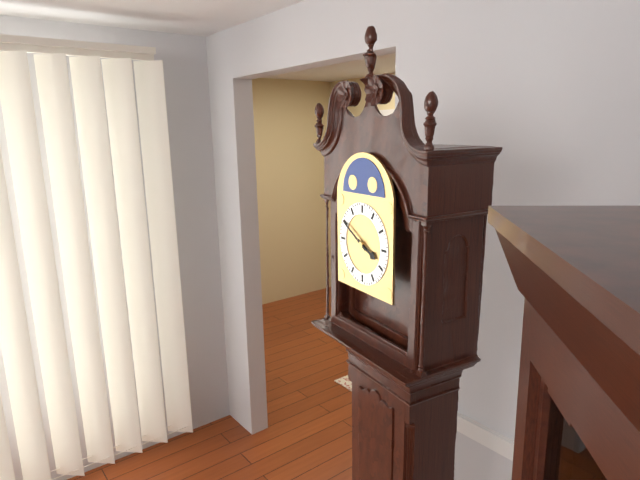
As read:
h=3 m=50
